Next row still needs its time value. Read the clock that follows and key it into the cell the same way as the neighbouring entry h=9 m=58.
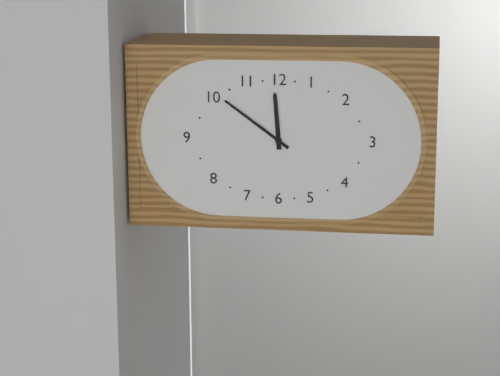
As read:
h=11 m=51
